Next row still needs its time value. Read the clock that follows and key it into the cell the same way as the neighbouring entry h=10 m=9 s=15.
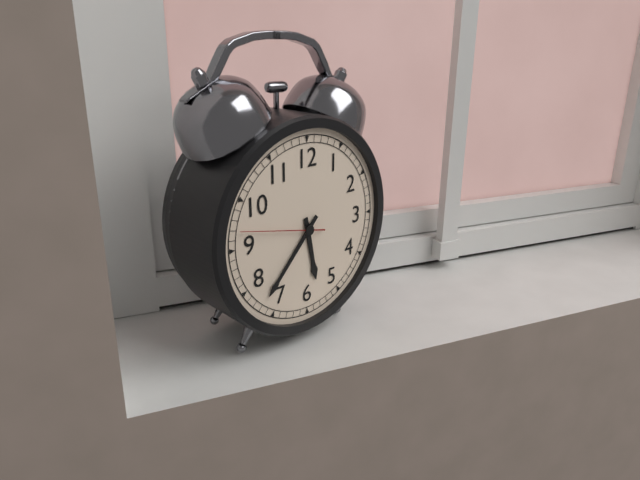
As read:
h=5 m=37 s=47
